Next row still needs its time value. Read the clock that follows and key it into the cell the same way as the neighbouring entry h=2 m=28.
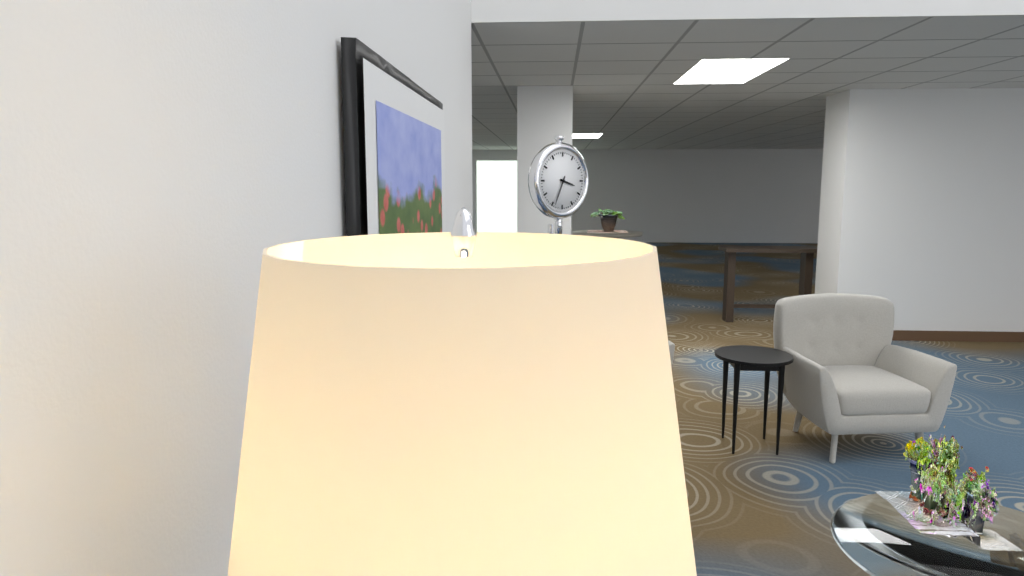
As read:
h=3 m=34
